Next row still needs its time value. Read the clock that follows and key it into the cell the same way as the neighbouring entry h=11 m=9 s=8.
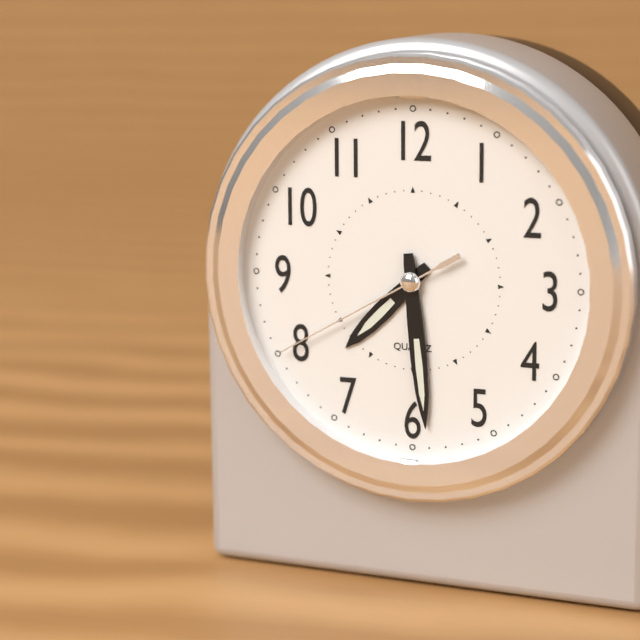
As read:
h=7 m=29 s=40
